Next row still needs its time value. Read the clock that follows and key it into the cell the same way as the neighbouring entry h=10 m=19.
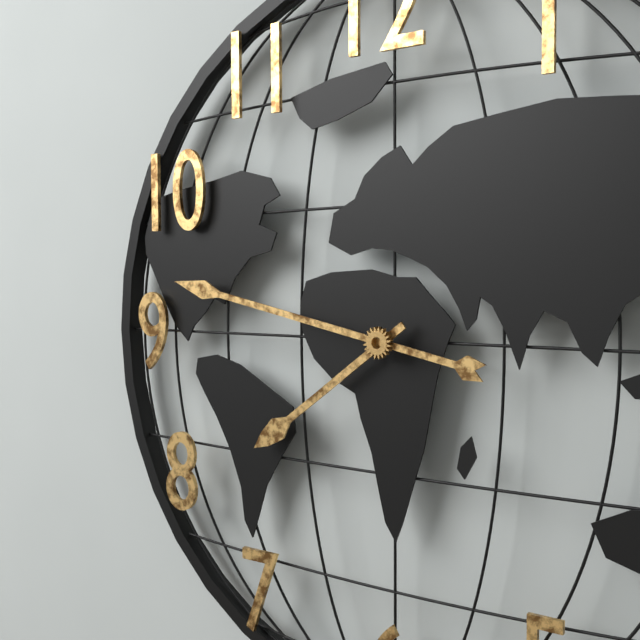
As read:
h=7 m=47
